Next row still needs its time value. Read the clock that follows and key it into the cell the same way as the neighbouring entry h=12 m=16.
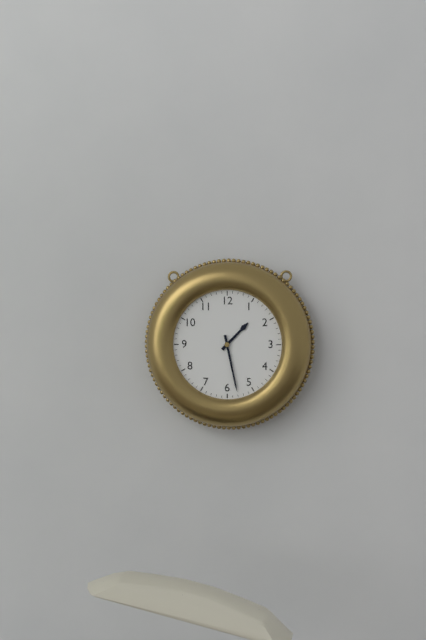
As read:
h=1 m=28
